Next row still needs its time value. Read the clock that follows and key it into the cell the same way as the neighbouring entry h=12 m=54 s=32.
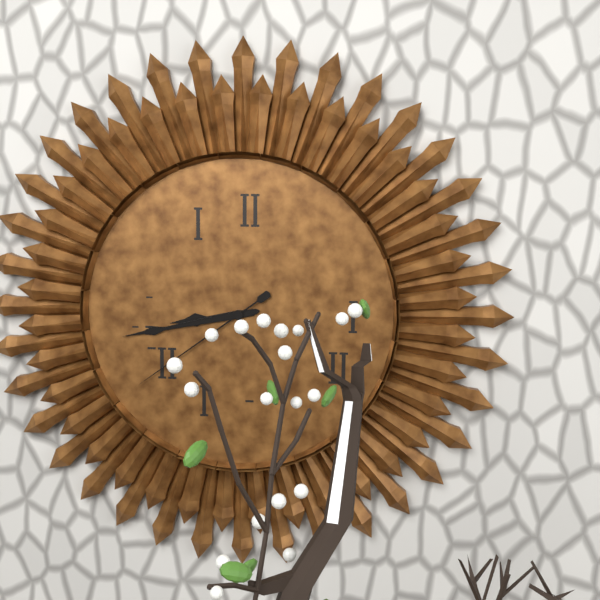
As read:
h=8 m=43 s=39
